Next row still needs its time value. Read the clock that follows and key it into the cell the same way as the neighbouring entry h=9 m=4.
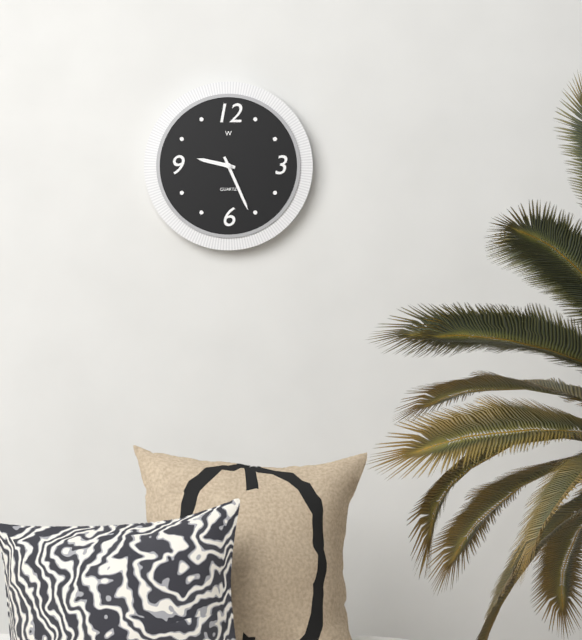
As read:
h=9 m=26
